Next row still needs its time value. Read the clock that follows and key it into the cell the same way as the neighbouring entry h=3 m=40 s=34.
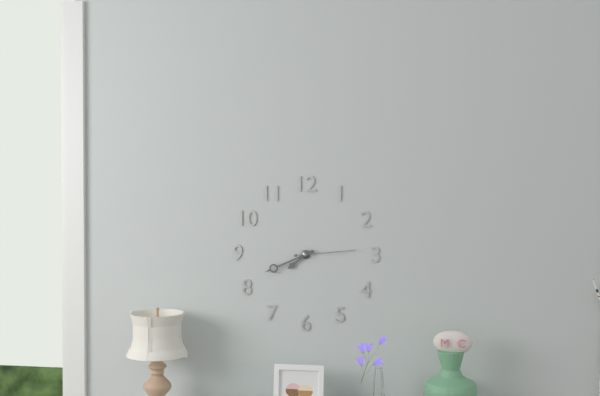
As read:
h=7 m=41 s=14
